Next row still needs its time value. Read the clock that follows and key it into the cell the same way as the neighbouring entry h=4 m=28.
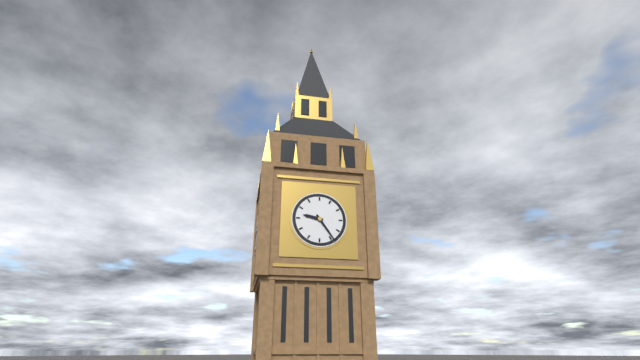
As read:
h=9 m=24
